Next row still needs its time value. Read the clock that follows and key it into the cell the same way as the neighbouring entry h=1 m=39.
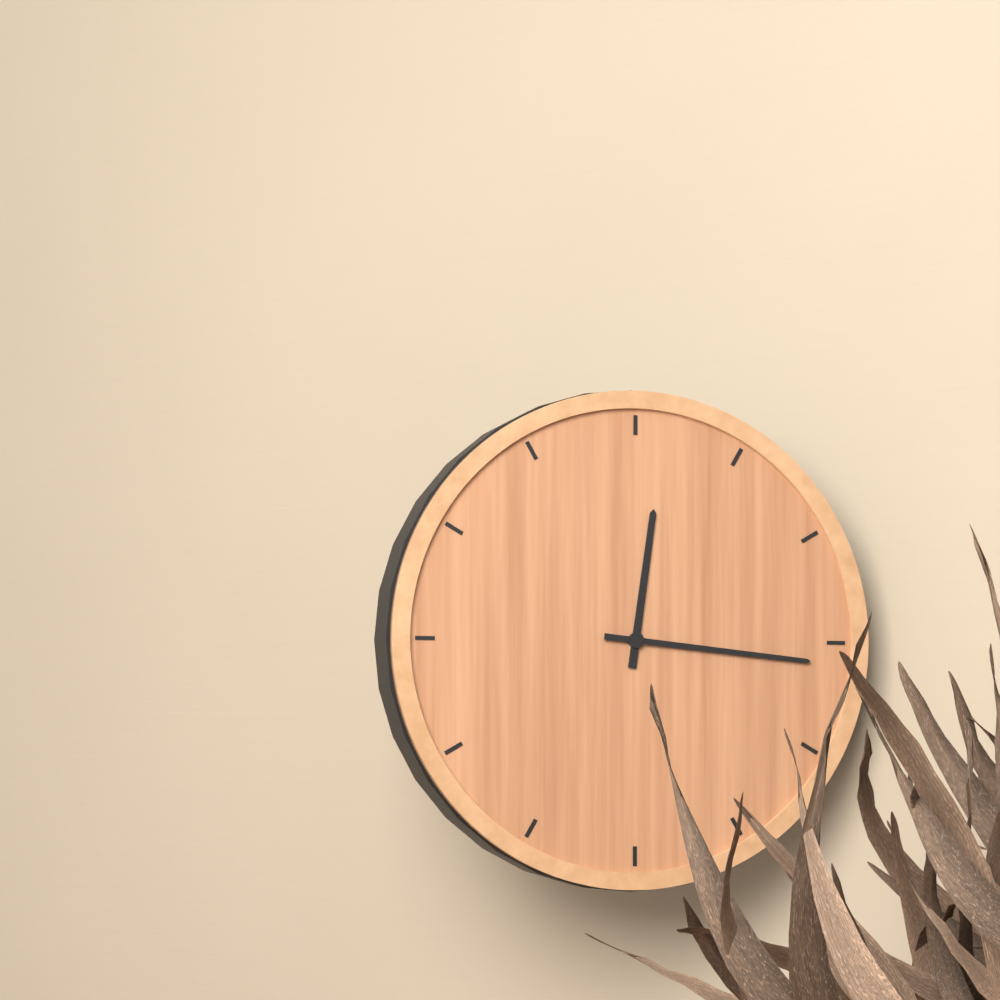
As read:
h=12 m=16
